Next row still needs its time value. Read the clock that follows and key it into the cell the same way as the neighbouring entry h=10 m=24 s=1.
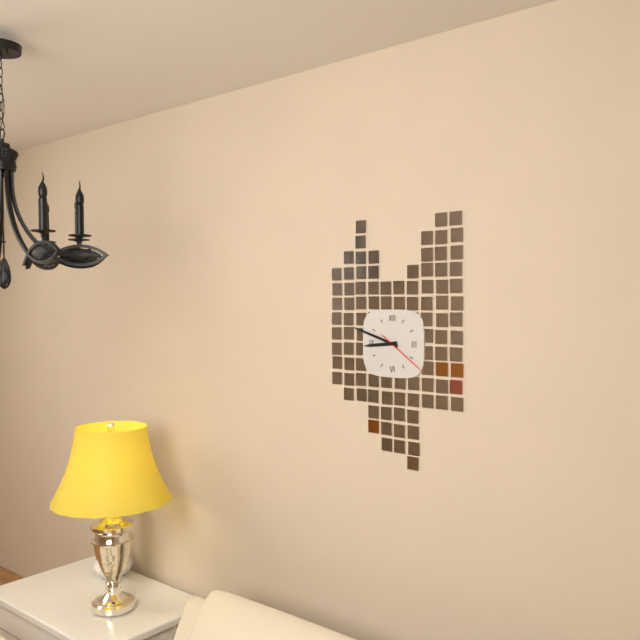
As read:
h=8 m=48 s=21
